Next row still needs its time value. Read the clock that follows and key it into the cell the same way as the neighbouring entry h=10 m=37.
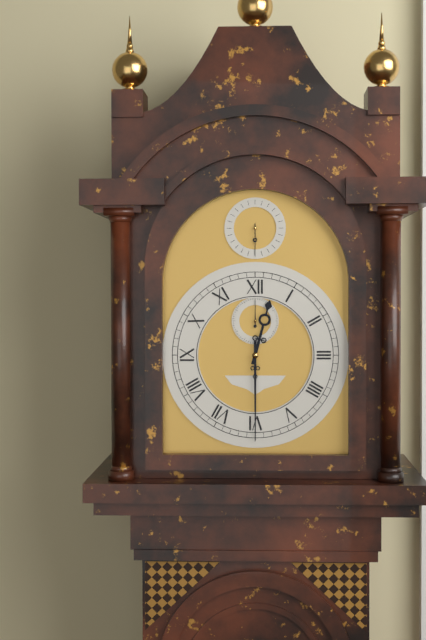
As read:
h=12 m=30
